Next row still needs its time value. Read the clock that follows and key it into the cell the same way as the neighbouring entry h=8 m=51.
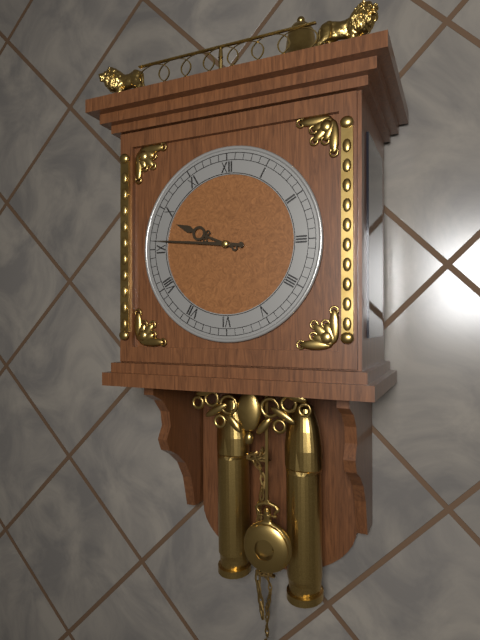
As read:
h=9 m=46
